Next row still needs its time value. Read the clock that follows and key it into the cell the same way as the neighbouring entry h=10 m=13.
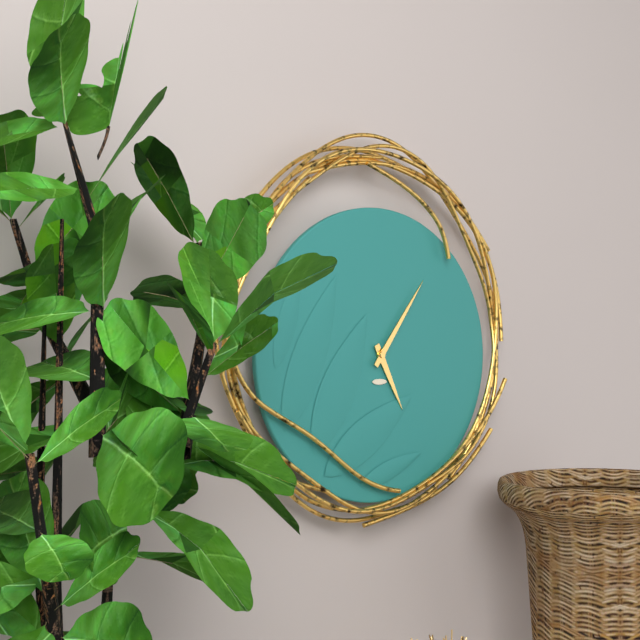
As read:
h=5 m=6
